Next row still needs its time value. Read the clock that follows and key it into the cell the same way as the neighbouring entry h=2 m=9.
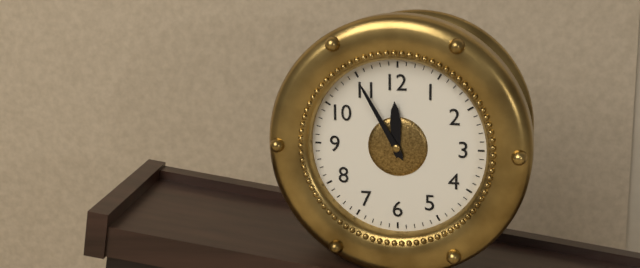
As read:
h=11 m=55
